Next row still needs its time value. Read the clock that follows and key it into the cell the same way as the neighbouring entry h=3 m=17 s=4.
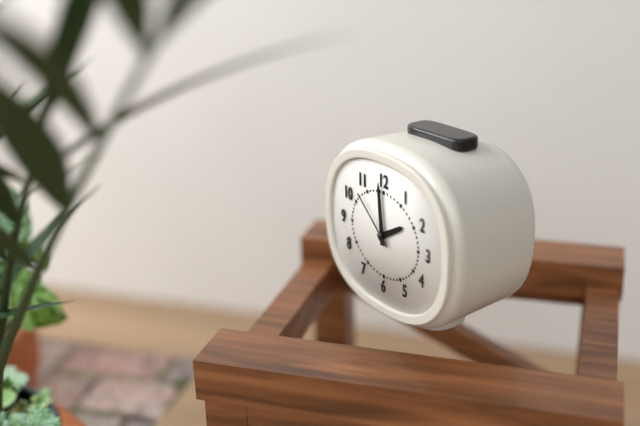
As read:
h=1 m=59 s=52
